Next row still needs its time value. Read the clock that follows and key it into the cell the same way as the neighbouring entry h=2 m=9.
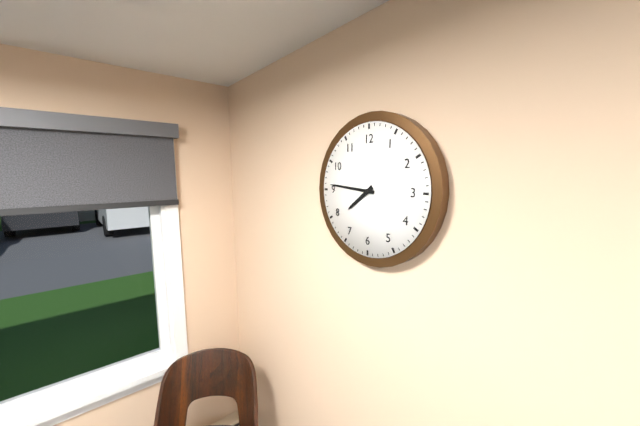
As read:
h=7 m=46
